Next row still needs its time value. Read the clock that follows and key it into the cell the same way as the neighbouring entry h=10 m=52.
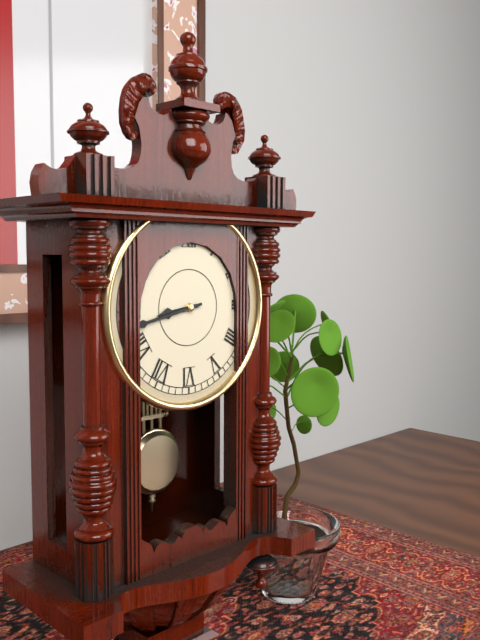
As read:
h=8 m=43
